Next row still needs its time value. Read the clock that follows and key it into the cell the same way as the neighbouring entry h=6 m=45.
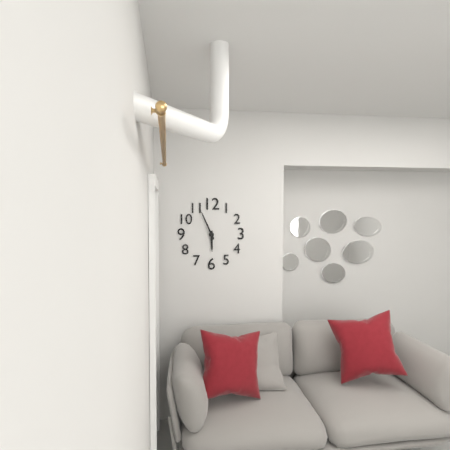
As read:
h=5 m=56
